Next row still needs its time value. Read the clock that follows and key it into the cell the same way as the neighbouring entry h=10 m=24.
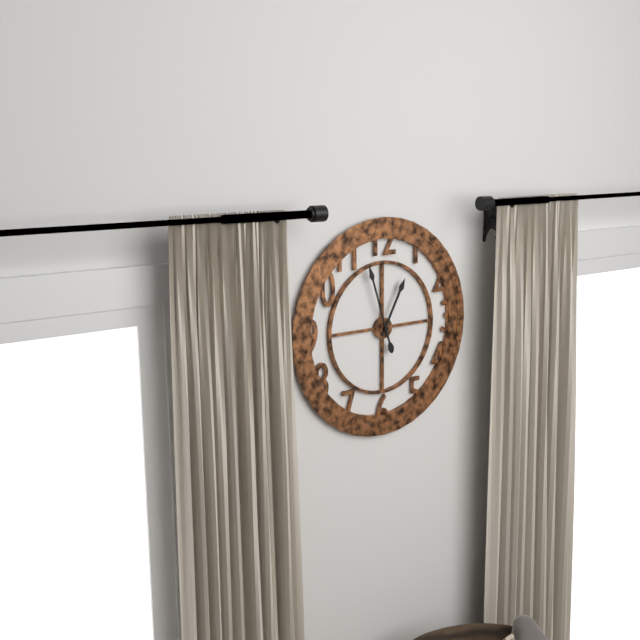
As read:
h=12 m=57
